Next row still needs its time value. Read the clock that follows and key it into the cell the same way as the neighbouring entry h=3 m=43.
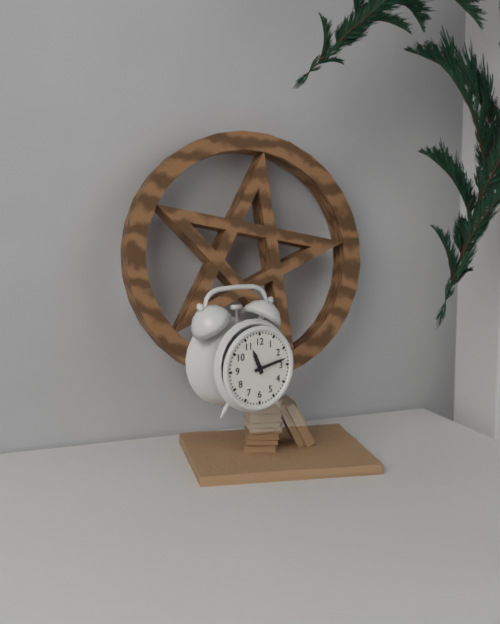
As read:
h=11 m=13
